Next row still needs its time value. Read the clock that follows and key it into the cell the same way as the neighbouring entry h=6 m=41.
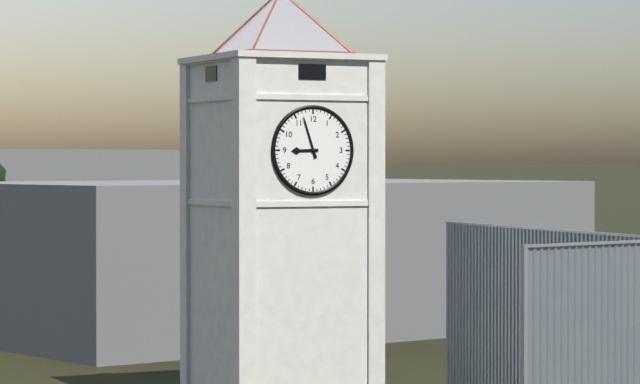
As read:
h=8 m=57
